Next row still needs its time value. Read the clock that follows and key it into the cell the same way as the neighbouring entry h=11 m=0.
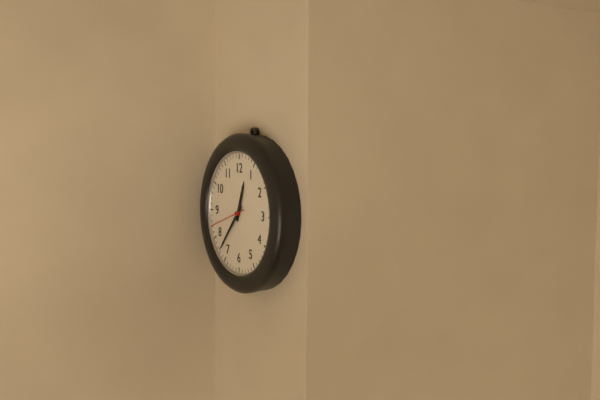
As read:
h=12 m=37
